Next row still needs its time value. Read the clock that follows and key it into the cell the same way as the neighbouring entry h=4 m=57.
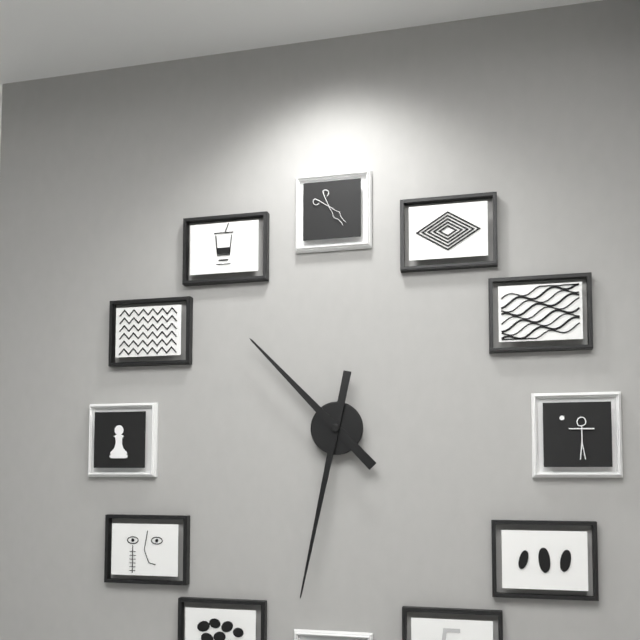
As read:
h=10 m=32
